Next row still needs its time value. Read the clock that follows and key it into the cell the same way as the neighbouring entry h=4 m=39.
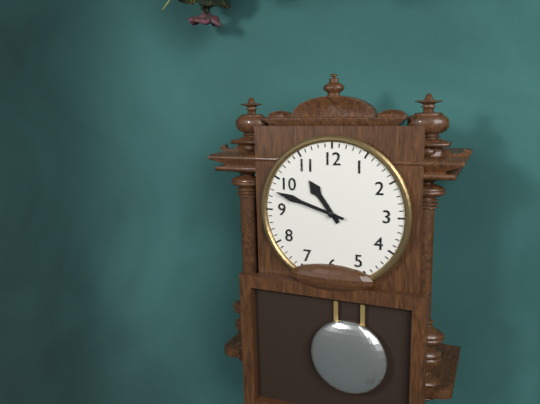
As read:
h=10 m=48
